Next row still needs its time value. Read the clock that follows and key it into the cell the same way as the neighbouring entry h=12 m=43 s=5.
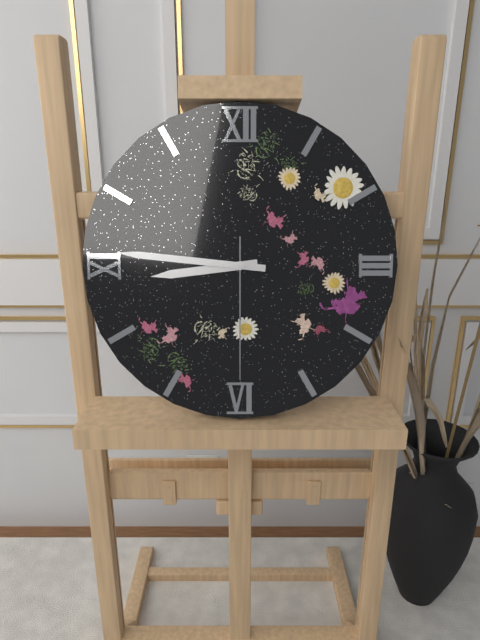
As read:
h=8 m=46 s=30
